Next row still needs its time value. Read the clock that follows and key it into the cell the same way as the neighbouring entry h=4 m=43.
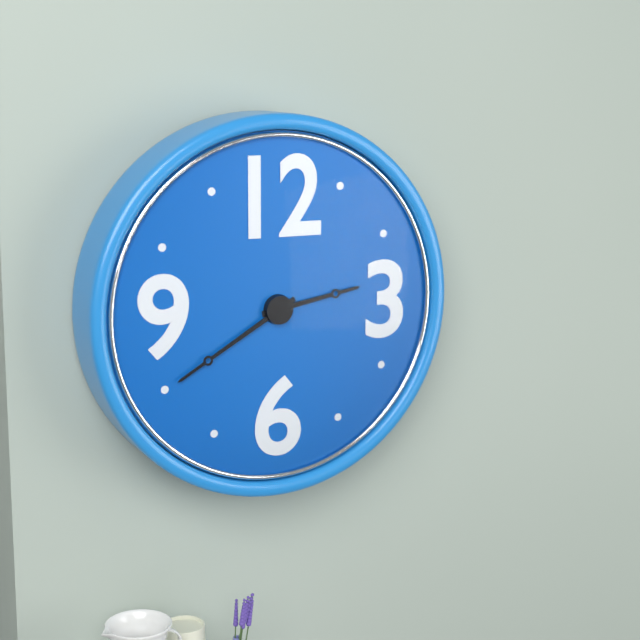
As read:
h=2 m=40
